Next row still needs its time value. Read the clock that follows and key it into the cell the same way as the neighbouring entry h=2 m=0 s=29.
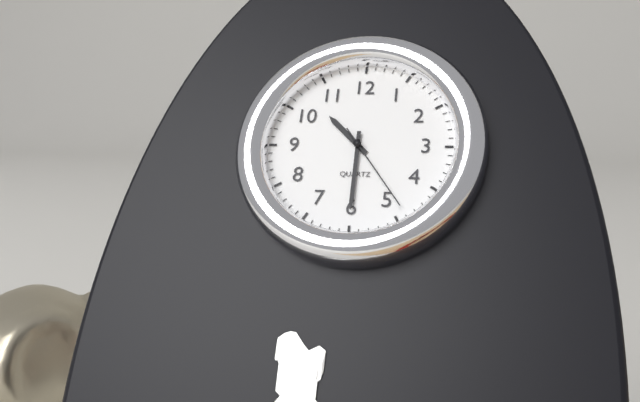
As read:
h=10 m=30 s=24
